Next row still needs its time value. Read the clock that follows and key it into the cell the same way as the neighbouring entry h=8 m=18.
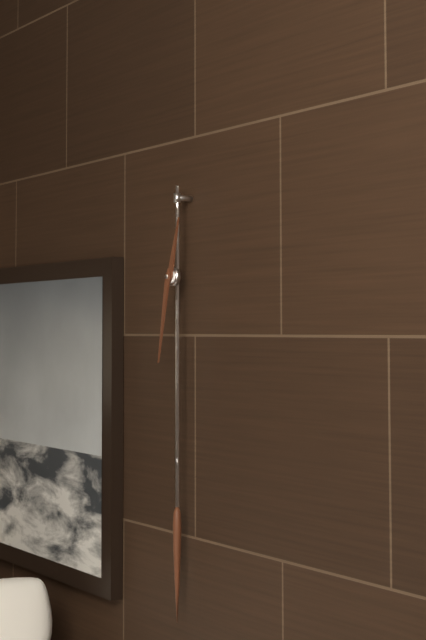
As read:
h=12 m=32
